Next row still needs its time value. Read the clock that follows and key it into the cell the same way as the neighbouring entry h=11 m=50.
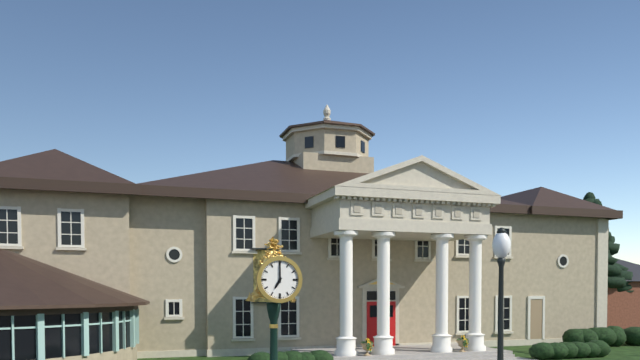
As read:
h=7 m=0
